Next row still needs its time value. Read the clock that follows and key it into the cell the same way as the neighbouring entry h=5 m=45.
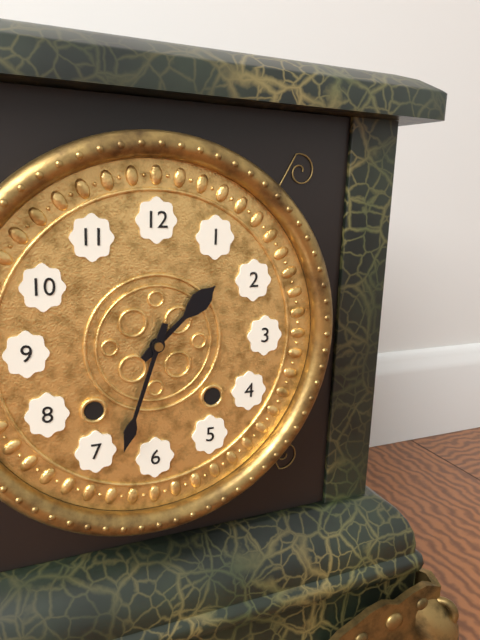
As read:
h=1 m=33
